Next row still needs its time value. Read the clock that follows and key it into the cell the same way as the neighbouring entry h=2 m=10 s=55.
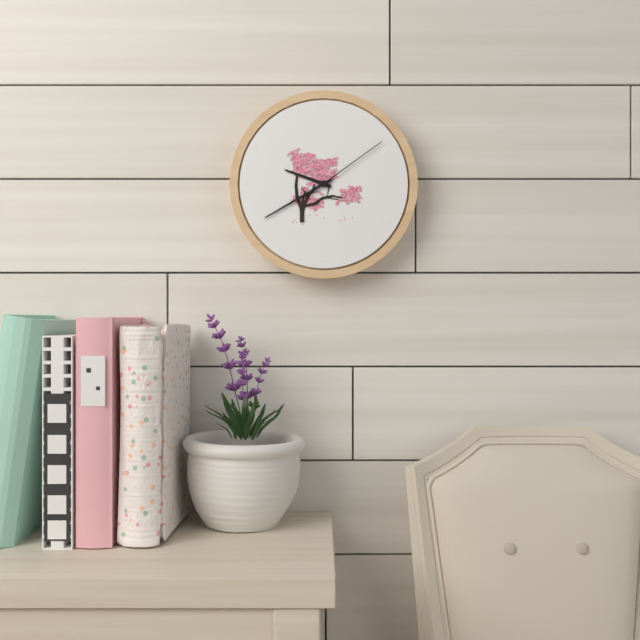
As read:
h=9 m=40 s=9
